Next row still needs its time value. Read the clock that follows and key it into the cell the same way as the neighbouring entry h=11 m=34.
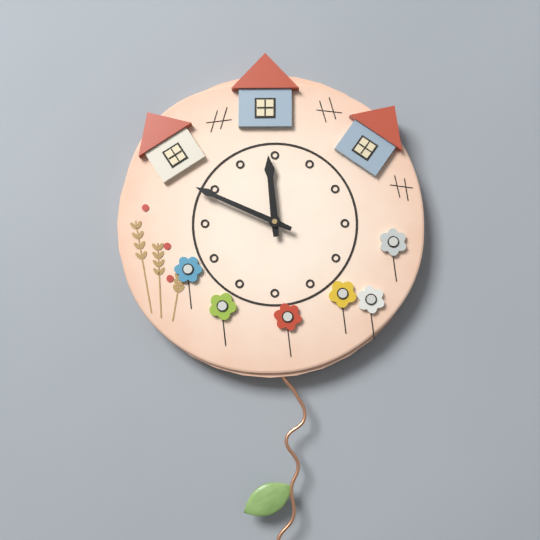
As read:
h=11 m=49
